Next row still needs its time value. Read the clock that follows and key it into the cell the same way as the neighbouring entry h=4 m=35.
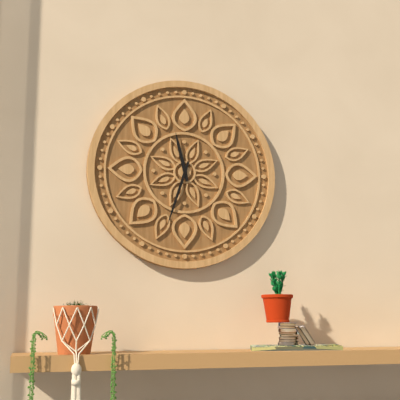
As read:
h=11 m=33
